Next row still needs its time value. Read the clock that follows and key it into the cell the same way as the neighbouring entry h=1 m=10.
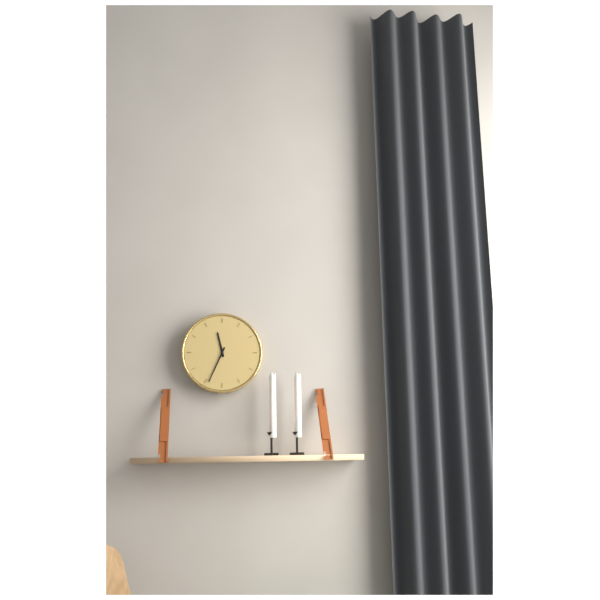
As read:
h=11 m=34
